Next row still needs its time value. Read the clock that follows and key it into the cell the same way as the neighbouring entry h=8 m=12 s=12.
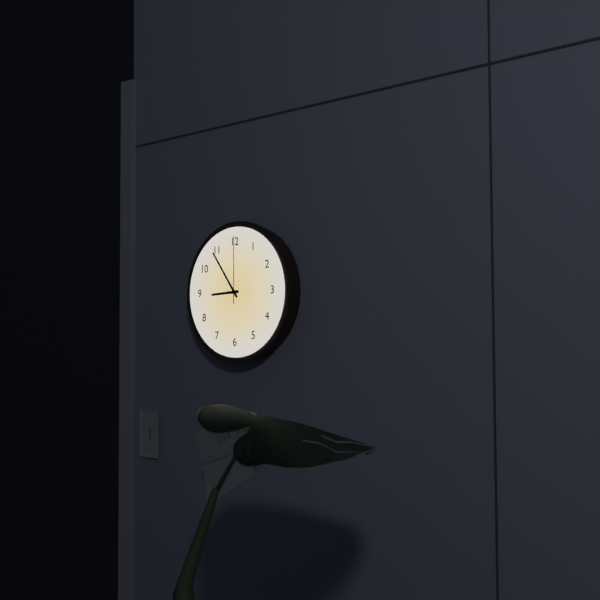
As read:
h=8 m=54 s=0
